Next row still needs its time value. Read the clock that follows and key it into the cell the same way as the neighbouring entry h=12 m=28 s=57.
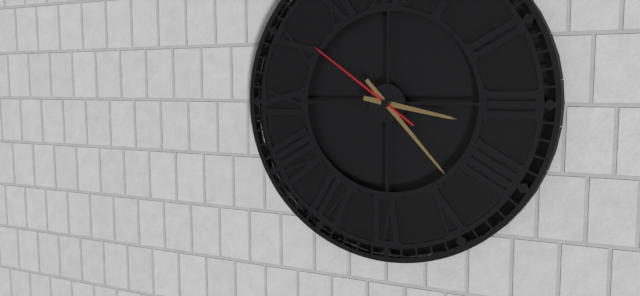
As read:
h=3 m=23 s=51
